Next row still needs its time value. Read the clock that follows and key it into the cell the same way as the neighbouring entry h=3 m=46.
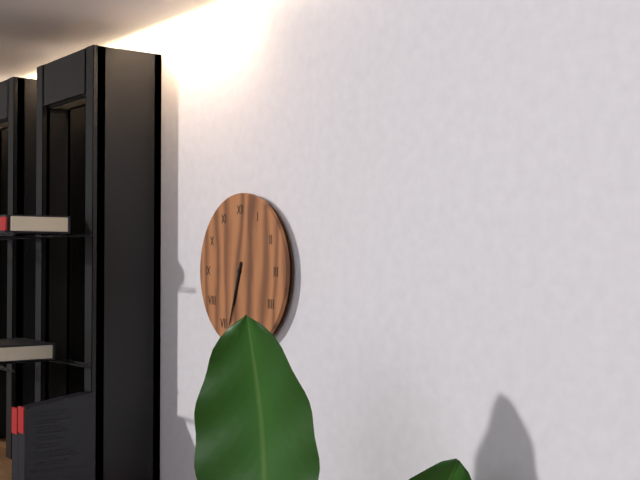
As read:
h=6 m=33
